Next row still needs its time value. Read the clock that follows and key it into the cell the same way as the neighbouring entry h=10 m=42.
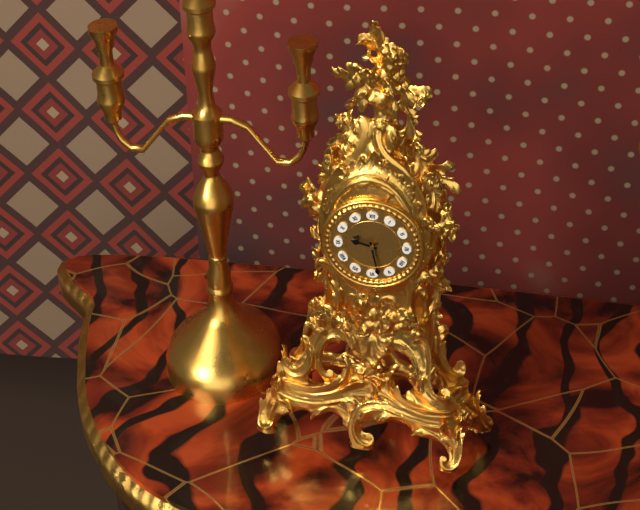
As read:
h=9 m=28
